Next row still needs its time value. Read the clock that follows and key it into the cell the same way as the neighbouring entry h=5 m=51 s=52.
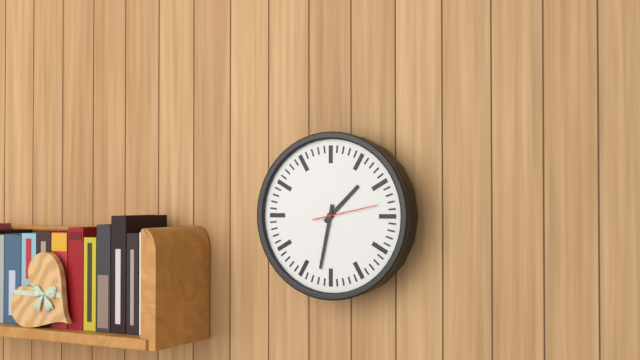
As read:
h=1 m=32 s=13
